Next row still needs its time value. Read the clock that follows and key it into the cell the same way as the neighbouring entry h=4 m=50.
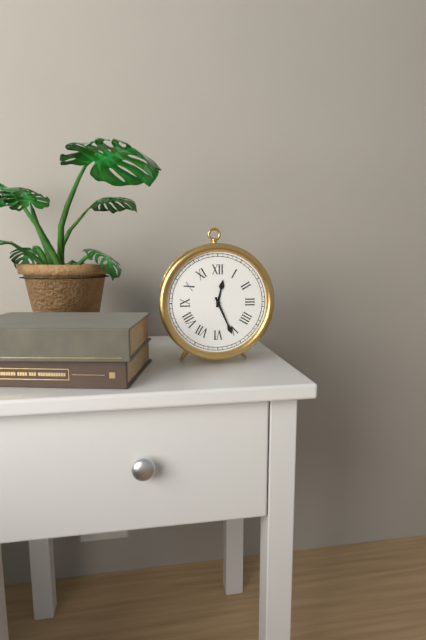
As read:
h=12 m=26
